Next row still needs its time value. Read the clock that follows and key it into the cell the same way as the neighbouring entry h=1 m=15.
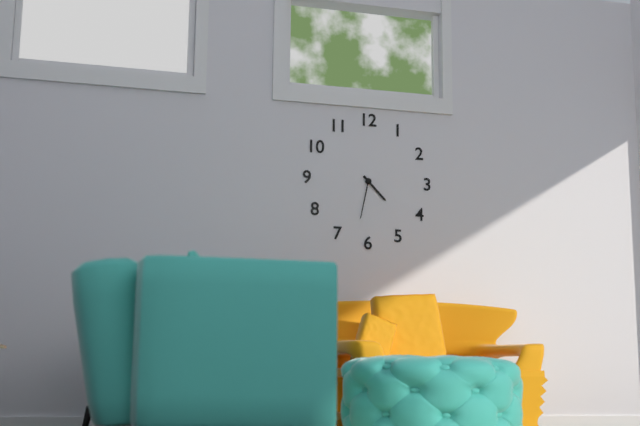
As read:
h=4 m=32
